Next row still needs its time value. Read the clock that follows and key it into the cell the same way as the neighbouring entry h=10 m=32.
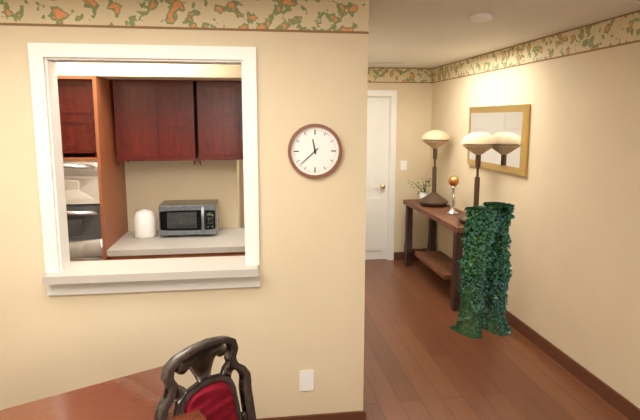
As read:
h=11 m=38
